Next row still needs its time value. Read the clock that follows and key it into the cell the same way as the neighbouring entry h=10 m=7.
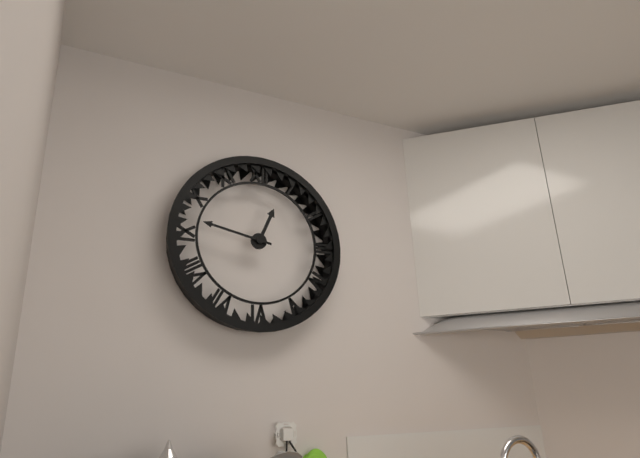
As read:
h=12 m=47
